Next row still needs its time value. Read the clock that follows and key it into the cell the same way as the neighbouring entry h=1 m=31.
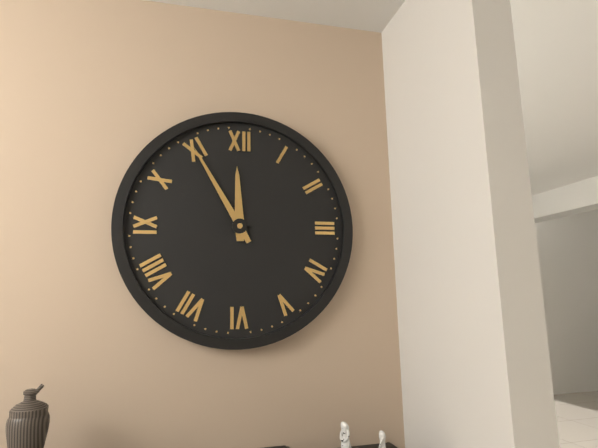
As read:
h=11 m=55
